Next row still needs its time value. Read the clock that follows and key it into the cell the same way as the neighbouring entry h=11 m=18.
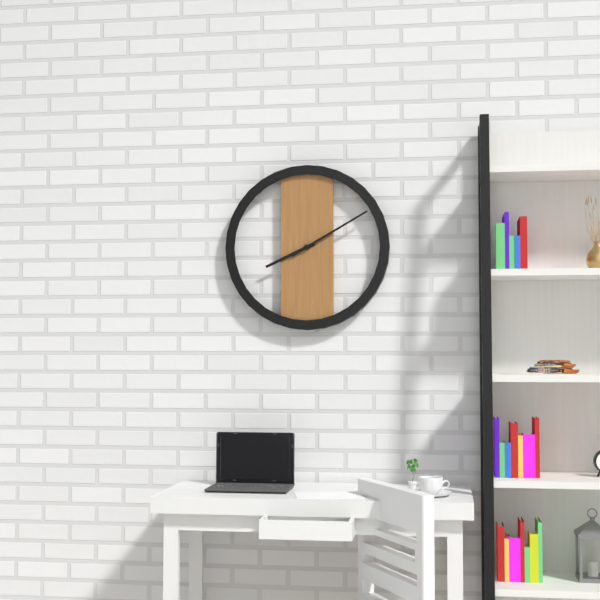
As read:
h=8 m=10
